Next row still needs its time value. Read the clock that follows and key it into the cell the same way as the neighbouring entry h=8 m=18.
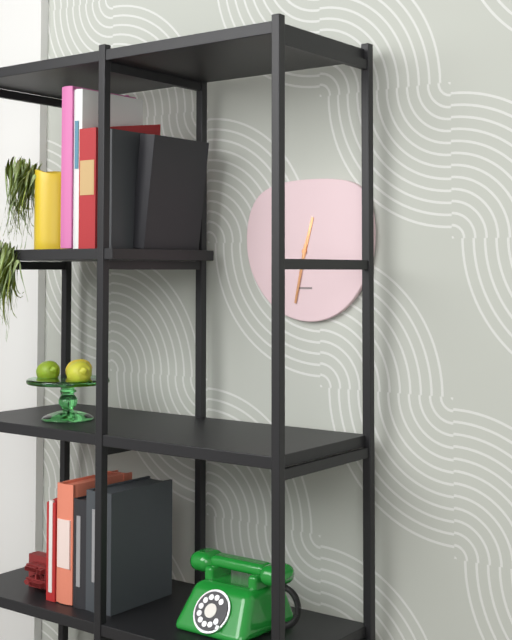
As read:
h=12 m=32
